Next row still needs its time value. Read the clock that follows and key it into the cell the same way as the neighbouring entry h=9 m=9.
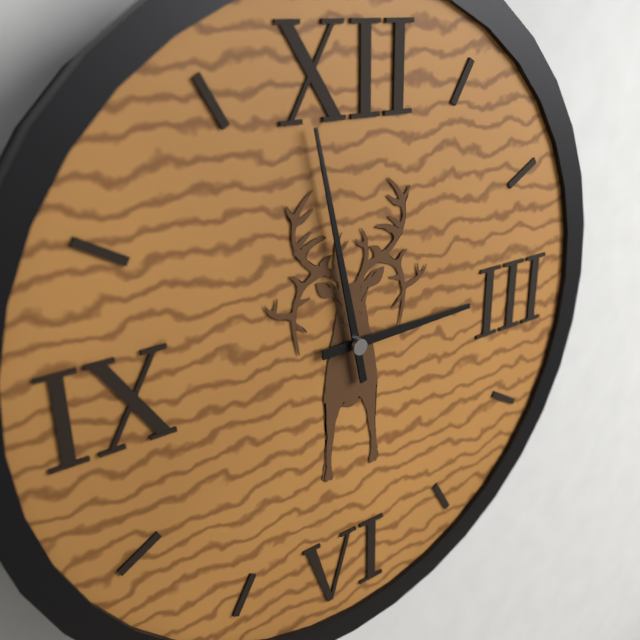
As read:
h=2 m=58
